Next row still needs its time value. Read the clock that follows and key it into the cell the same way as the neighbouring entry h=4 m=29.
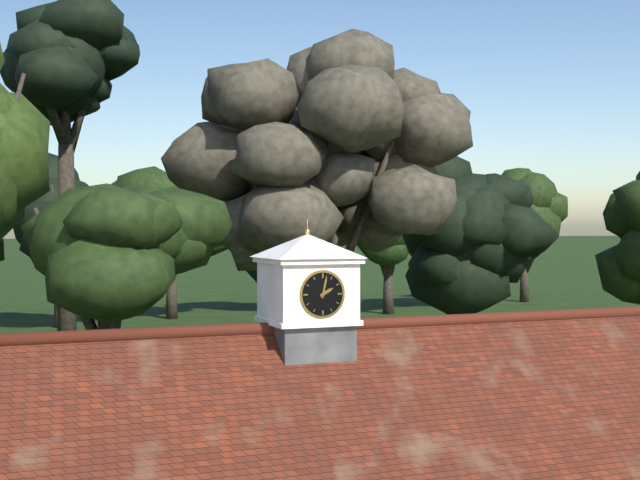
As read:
h=2 m=2
